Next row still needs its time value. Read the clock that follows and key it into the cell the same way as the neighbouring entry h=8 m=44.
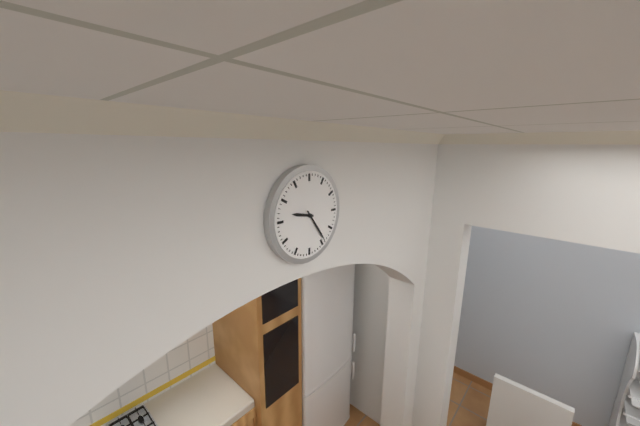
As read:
h=9 m=24
